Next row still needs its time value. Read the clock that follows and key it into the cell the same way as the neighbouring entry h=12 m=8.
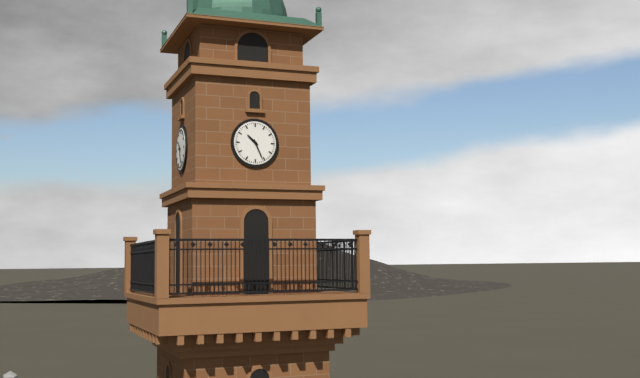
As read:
h=10 m=26
